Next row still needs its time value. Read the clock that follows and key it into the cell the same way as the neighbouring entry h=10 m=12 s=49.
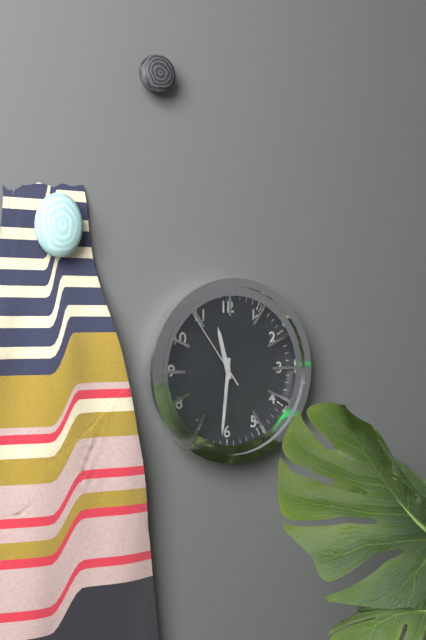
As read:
h=11 m=31 s=54
